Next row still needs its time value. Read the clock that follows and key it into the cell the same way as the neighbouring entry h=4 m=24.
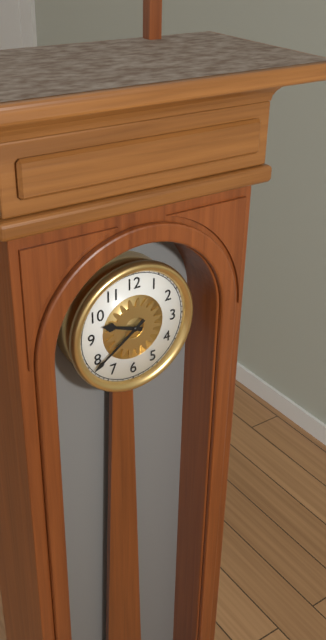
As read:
h=9 m=39
